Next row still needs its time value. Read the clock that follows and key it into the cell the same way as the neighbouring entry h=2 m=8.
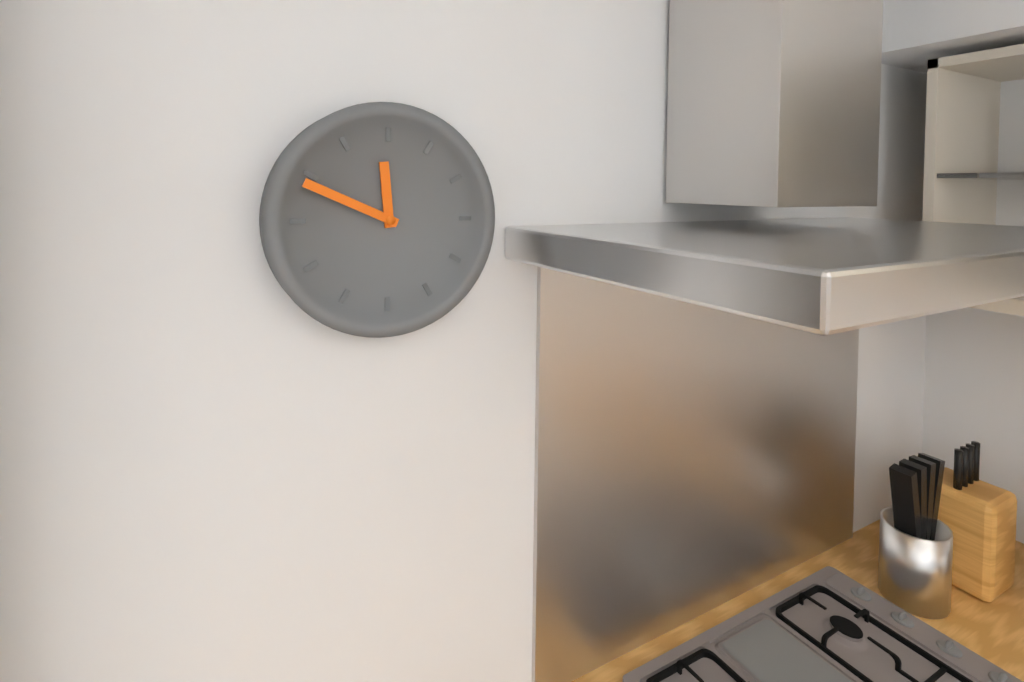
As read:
h=11 m=49
